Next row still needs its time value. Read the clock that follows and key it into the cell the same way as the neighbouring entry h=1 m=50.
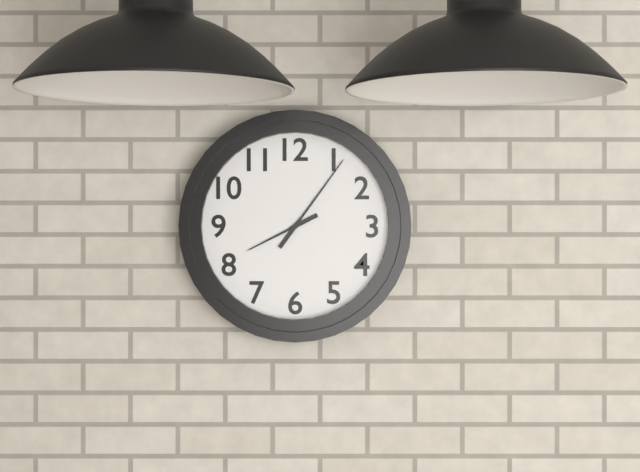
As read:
h=8 m=6
